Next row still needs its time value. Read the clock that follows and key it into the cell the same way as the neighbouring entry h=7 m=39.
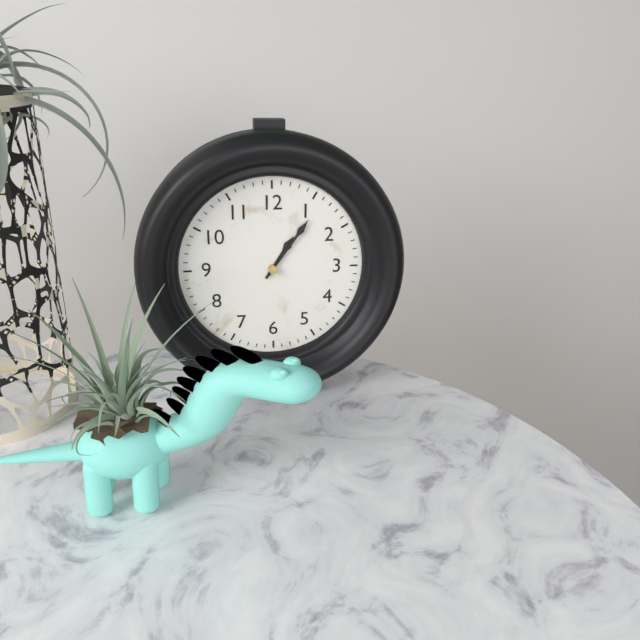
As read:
h=1 m=6
